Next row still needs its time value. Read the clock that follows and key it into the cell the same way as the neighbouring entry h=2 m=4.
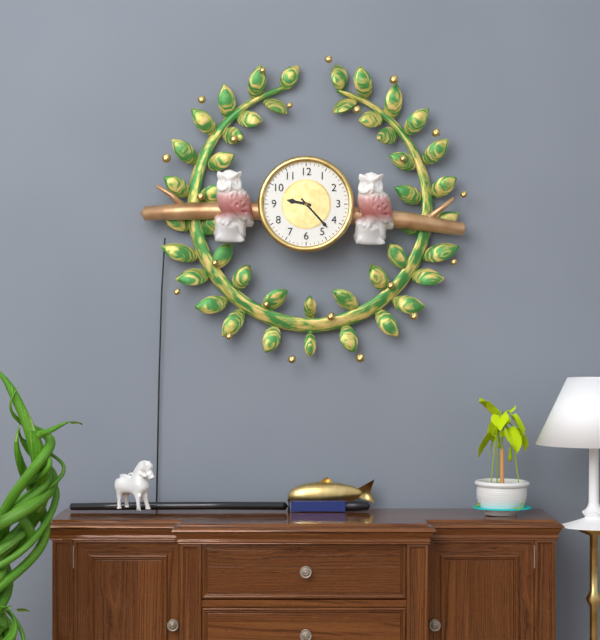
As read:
h=9 m=23
